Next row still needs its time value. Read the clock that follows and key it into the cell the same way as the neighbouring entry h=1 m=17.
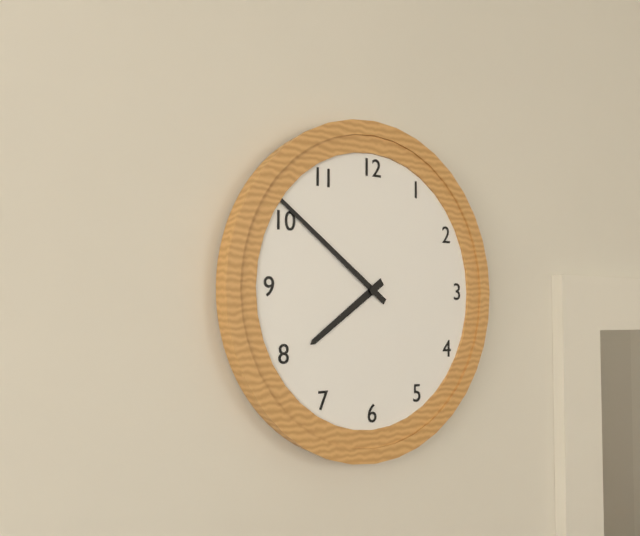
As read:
h=7 m=51
